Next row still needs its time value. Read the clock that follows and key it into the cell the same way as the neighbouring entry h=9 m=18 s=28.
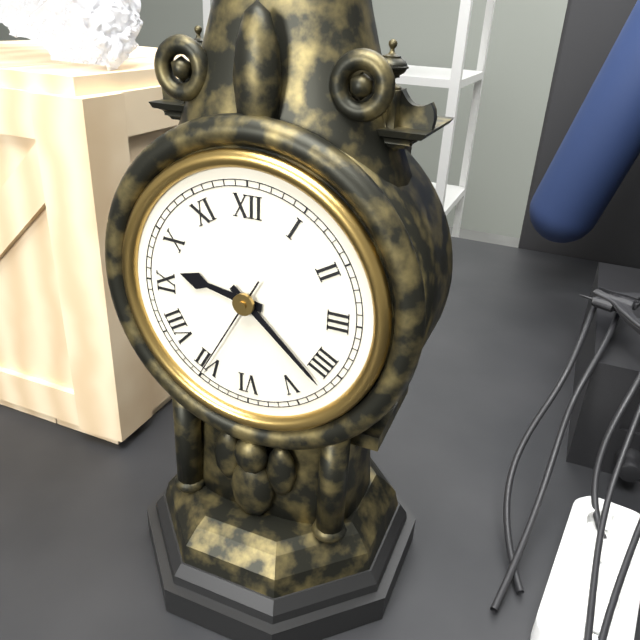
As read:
h=9 m=22 s=35
